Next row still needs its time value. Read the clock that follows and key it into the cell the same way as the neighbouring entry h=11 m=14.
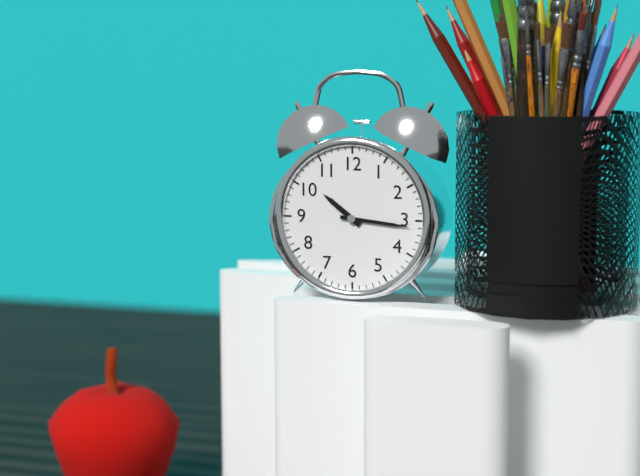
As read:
h=10 m=16
